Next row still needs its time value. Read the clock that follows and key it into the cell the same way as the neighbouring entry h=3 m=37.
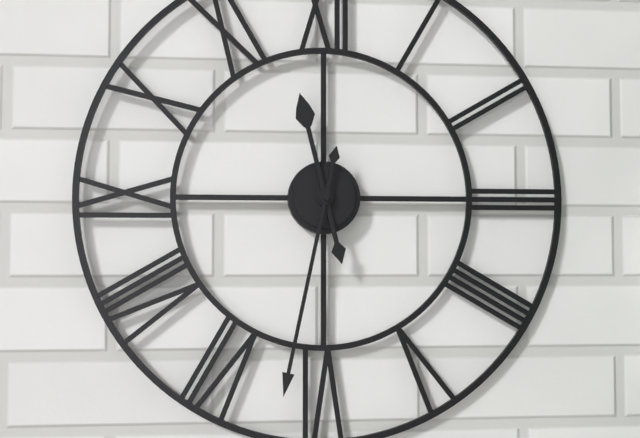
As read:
h=11 m=32
